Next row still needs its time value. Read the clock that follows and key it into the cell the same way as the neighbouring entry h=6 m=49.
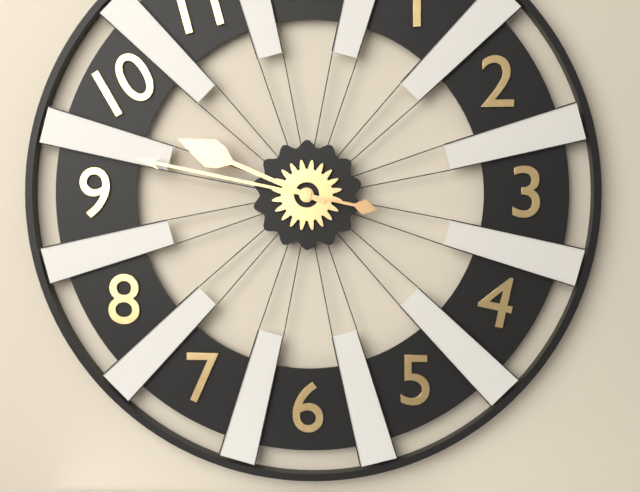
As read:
h=9 m=47
